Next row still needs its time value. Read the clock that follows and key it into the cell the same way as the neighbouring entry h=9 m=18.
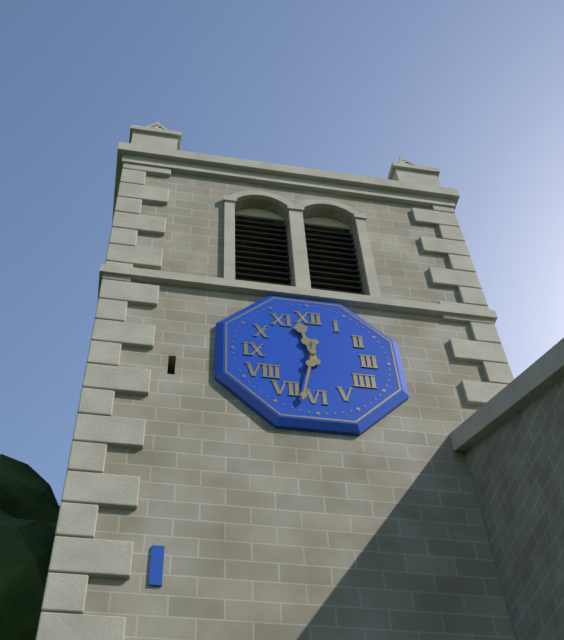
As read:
h=11 m=32
